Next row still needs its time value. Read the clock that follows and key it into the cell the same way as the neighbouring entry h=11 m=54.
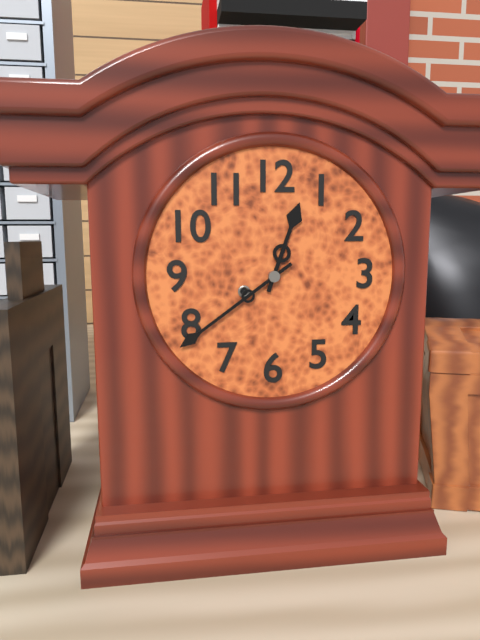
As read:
h=12 m=39
